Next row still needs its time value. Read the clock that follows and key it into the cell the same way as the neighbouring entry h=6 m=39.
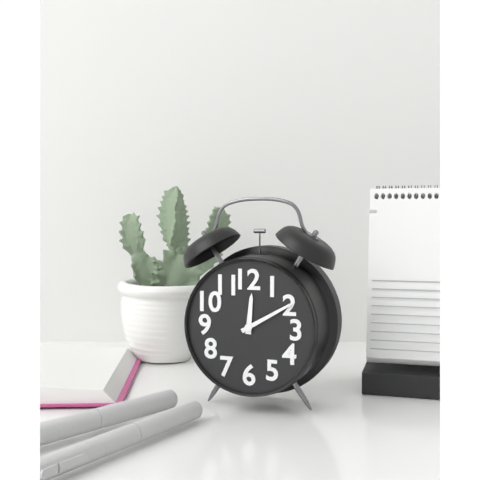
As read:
h=12 m=10
